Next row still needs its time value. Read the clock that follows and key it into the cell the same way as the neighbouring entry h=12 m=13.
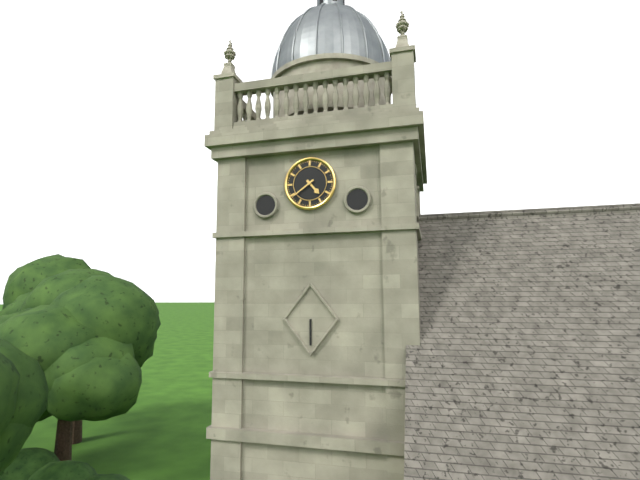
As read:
h=4 m=39
